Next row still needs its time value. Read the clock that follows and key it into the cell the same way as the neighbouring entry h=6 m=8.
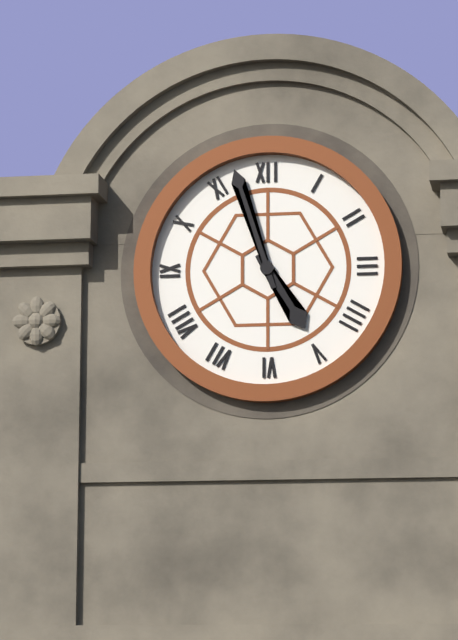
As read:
h=4 m=57
